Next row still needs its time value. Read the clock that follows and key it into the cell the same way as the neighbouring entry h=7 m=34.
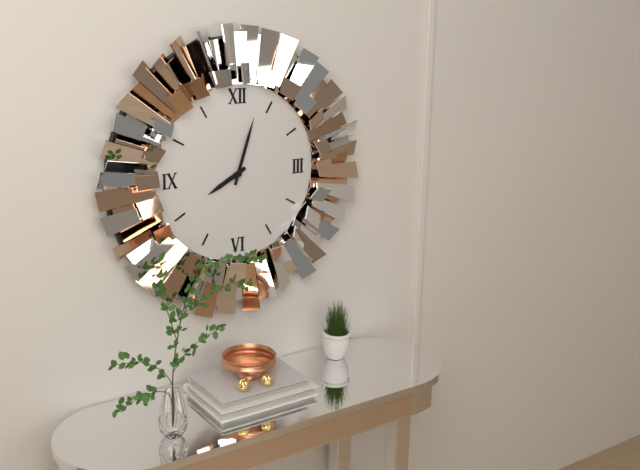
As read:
h=8 m=3
